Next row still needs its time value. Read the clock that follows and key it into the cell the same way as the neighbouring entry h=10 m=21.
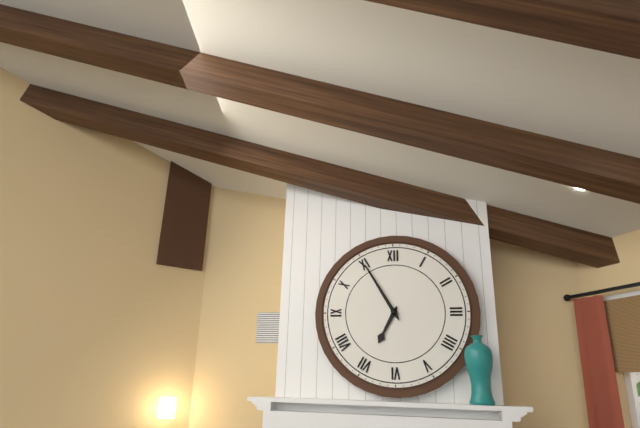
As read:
h=6 m=55
